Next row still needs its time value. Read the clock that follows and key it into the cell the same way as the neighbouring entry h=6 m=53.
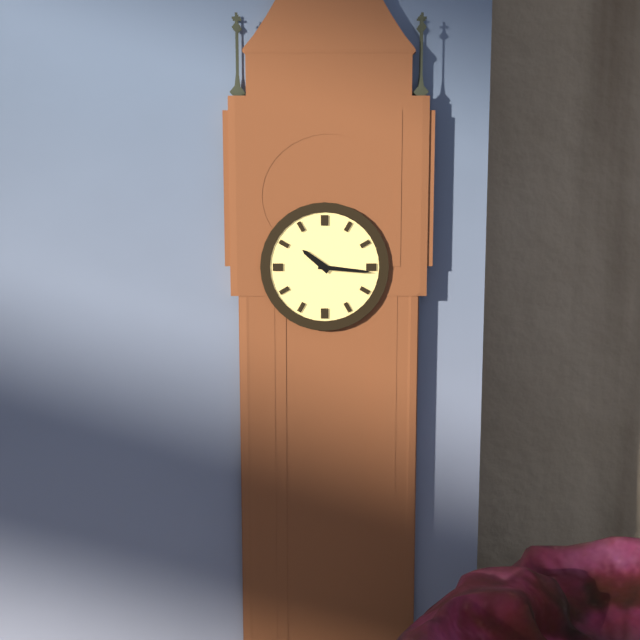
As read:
h=10 m=16
